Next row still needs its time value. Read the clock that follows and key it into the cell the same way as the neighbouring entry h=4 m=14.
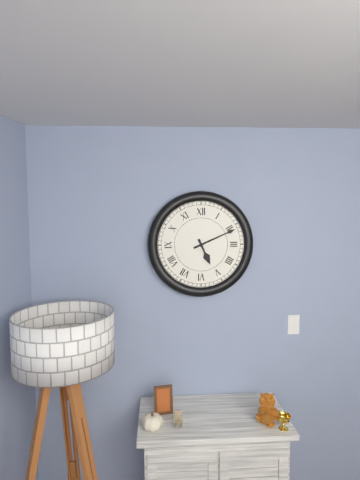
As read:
h=5 m=11
